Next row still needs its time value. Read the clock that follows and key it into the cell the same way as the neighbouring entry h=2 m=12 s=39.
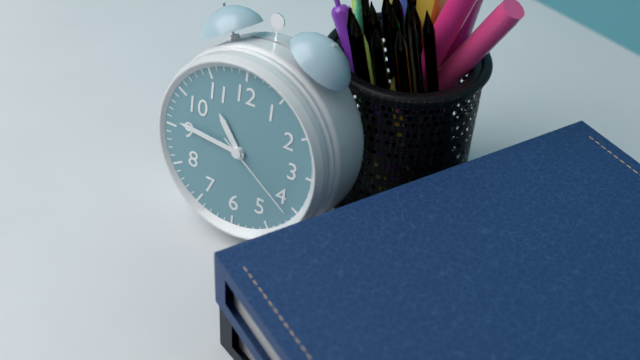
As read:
h=10 m=46 s=21
